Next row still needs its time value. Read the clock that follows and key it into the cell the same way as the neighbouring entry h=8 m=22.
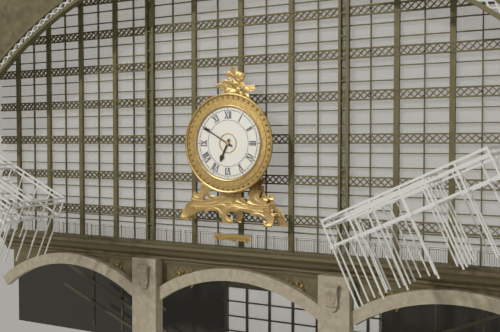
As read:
h=6 m=50
